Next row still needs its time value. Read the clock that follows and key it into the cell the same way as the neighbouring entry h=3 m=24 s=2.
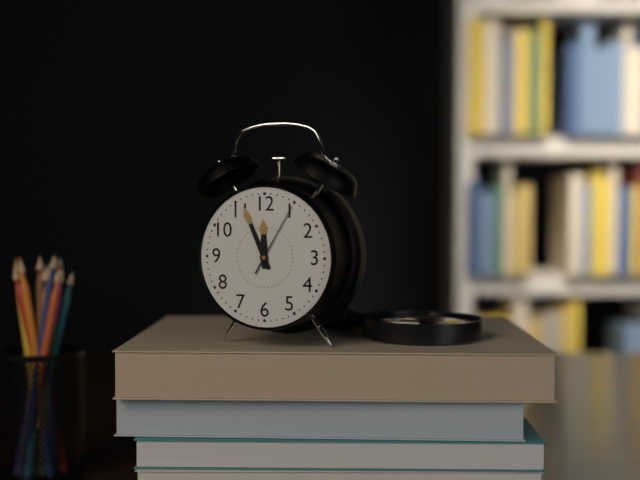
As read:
h=11 m=56 s=5
